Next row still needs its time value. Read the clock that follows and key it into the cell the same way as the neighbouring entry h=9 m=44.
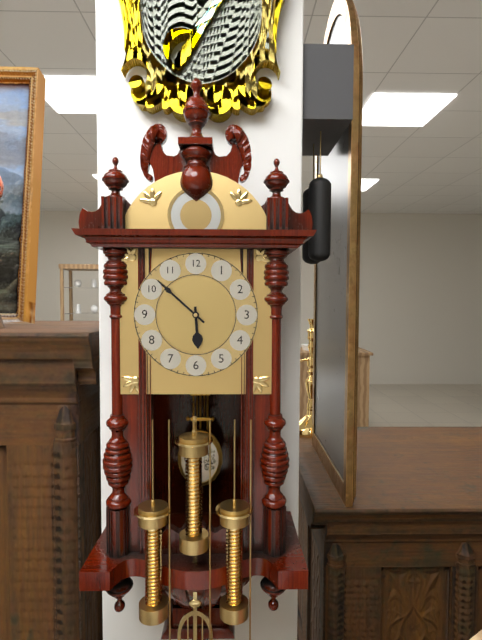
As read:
h=5 m=52
